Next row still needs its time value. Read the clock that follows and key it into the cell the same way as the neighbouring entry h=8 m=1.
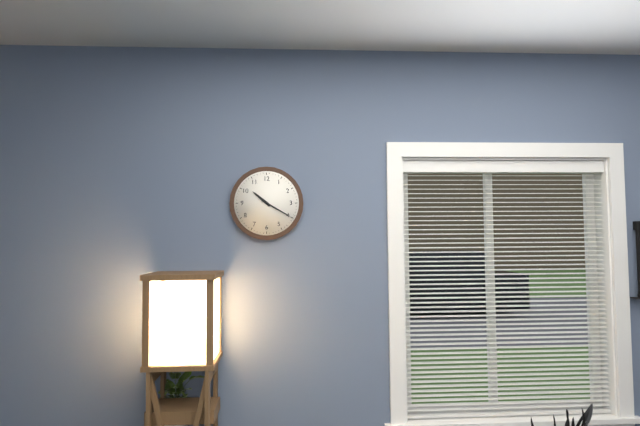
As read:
h=10 m=20
